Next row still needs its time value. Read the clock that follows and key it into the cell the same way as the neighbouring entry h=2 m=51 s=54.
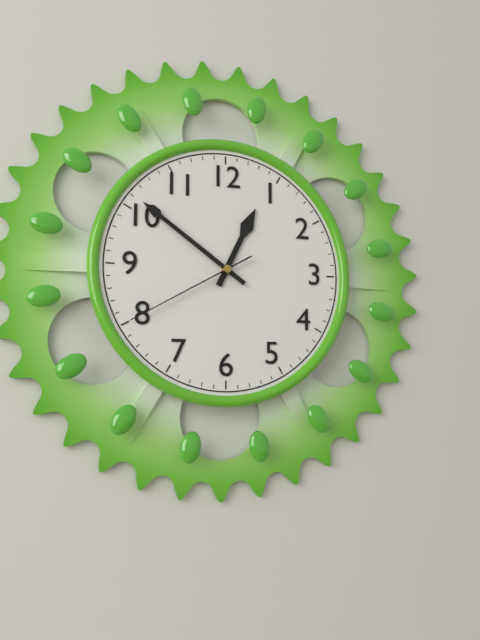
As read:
h=12 m=51 s=40
